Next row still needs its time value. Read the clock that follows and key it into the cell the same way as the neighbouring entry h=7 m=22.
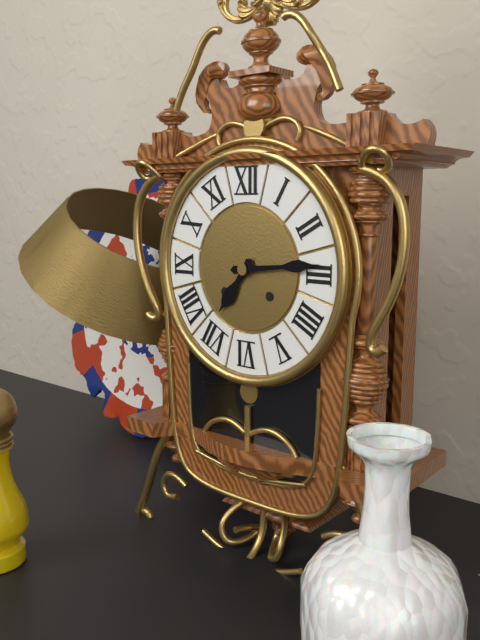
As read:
h=7 m=14
